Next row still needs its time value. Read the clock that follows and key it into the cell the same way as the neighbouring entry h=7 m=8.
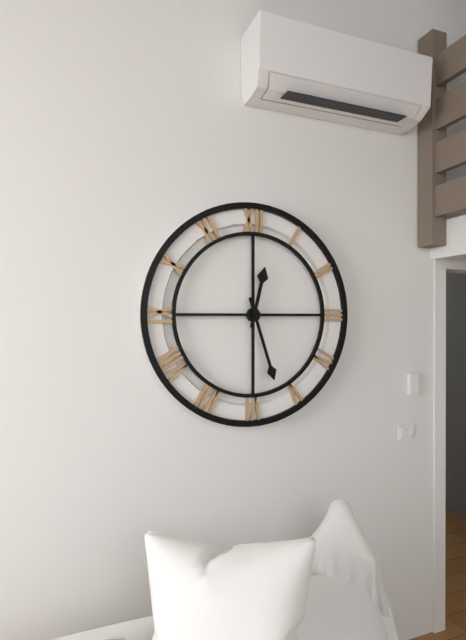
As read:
h=12 m=27
